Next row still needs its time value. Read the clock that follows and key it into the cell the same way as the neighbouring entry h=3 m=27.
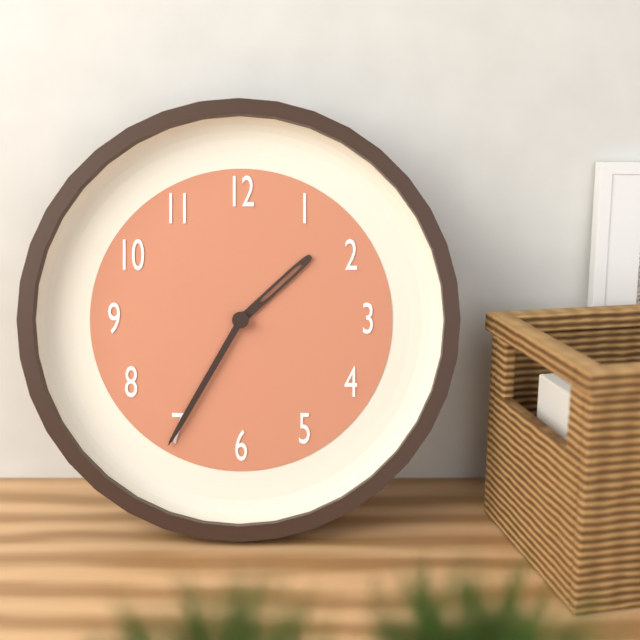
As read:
h=1 m=35
